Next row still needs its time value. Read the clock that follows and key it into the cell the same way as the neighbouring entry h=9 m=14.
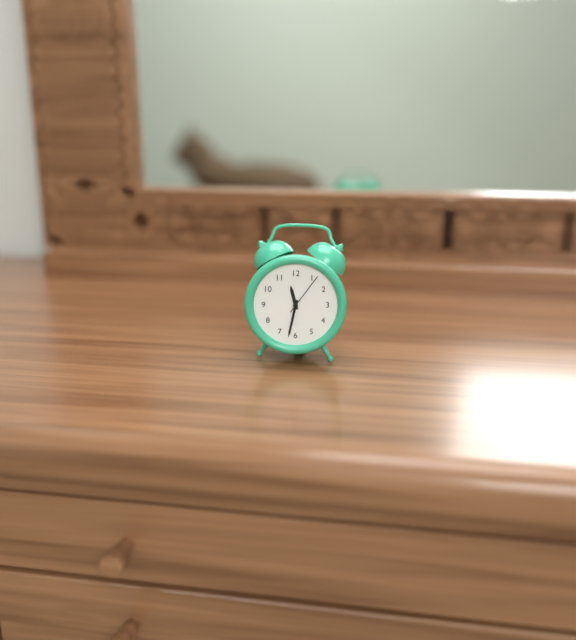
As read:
h=11 m=32
